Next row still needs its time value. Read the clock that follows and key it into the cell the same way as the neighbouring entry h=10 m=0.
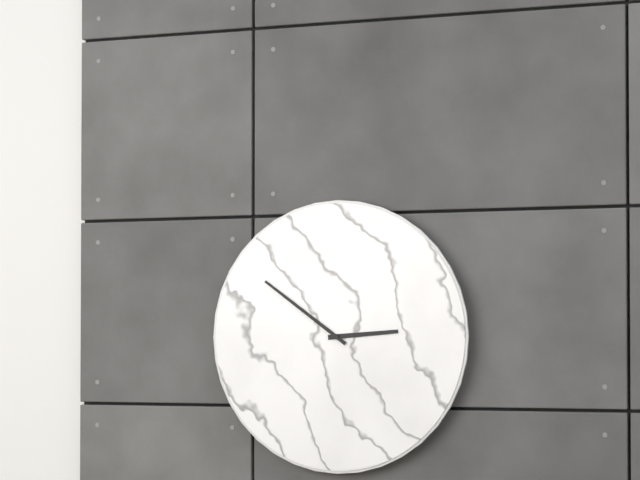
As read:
h=2 m=51
